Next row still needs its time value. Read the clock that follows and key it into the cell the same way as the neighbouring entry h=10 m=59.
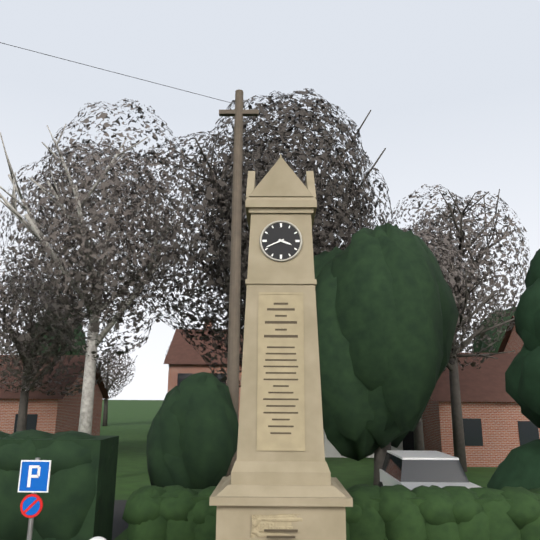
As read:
h=3 m=41
